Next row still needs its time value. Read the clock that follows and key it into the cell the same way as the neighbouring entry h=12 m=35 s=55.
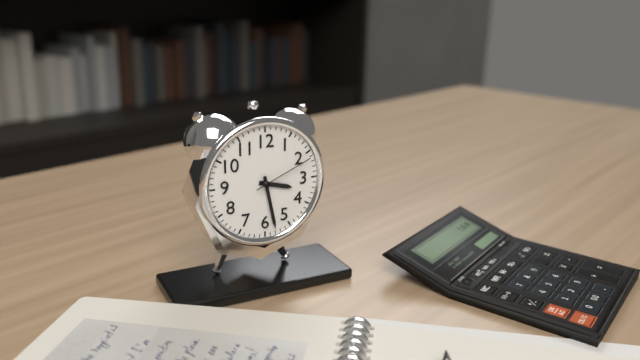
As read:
h=3 m=28 s=11
